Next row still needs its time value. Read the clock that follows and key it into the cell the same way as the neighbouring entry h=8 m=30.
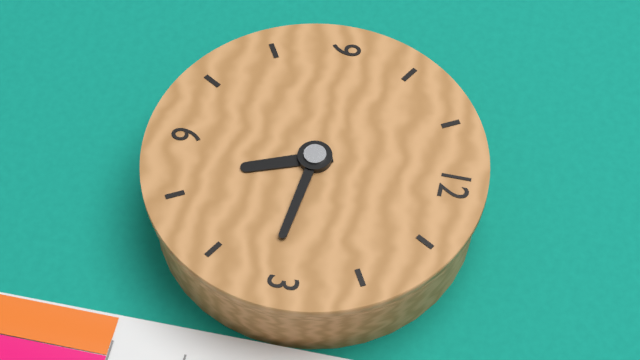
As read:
h=5 m=16
